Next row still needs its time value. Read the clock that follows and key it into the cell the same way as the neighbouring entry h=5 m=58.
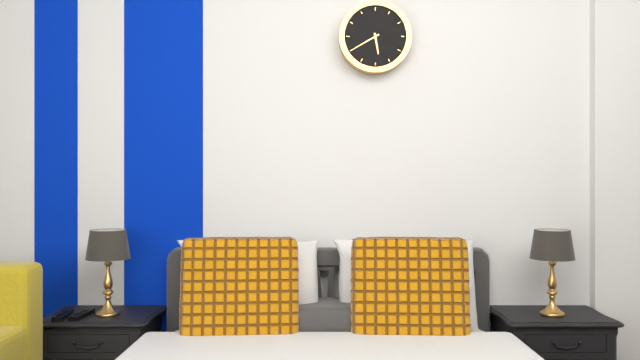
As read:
h=5 m=40
